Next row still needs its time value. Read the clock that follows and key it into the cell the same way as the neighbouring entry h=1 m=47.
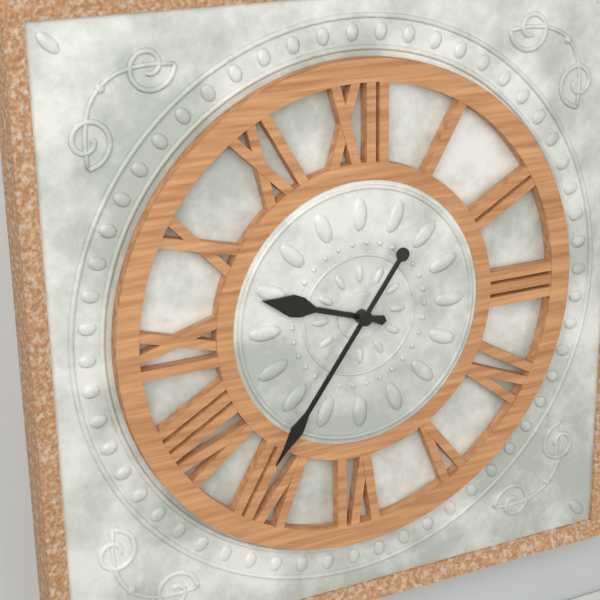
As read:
h=9 m=36
